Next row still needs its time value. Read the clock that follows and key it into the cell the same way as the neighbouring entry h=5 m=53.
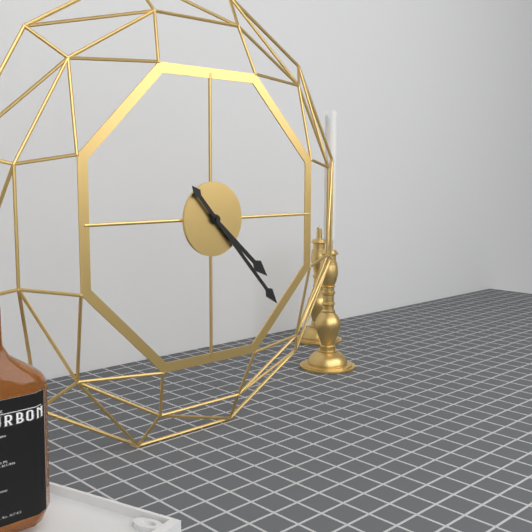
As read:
h=4 m=23
